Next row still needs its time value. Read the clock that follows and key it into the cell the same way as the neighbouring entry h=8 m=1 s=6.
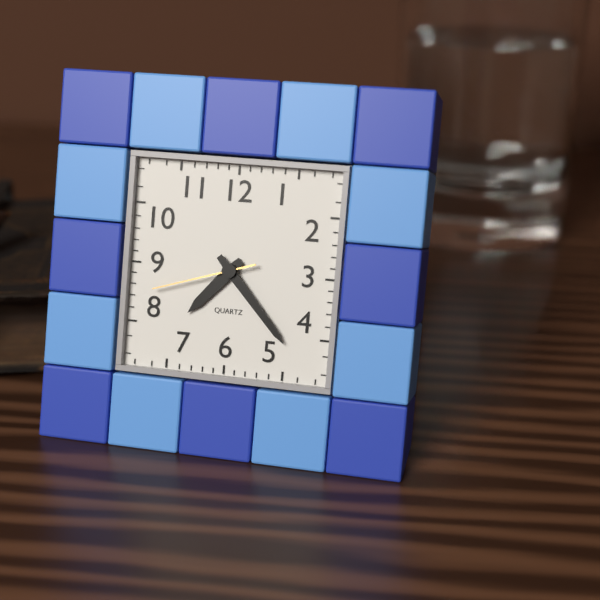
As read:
h=7 m=23 s=42
